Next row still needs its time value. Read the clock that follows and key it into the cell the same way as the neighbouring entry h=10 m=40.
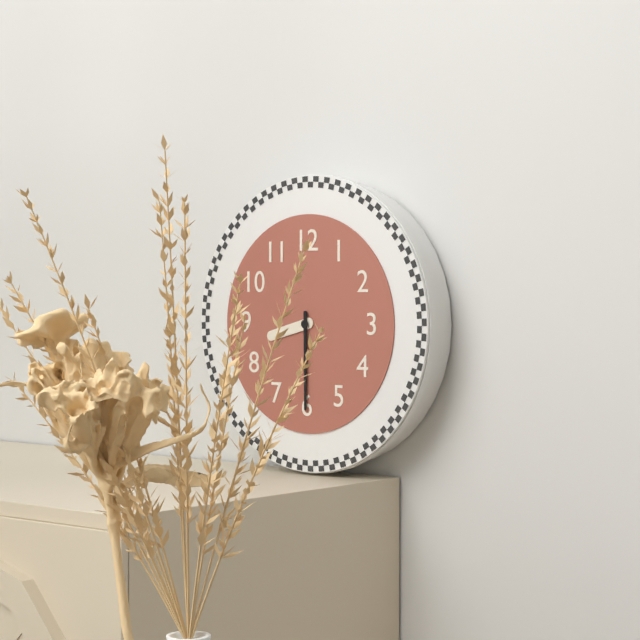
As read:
h=8 m=30
